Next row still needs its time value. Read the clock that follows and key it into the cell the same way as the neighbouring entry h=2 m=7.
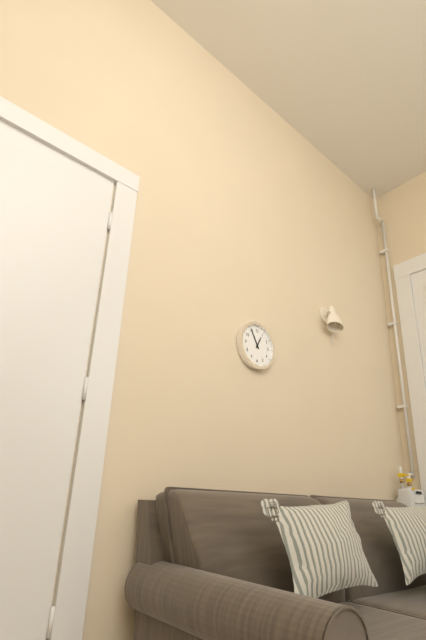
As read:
h=12 m=55
